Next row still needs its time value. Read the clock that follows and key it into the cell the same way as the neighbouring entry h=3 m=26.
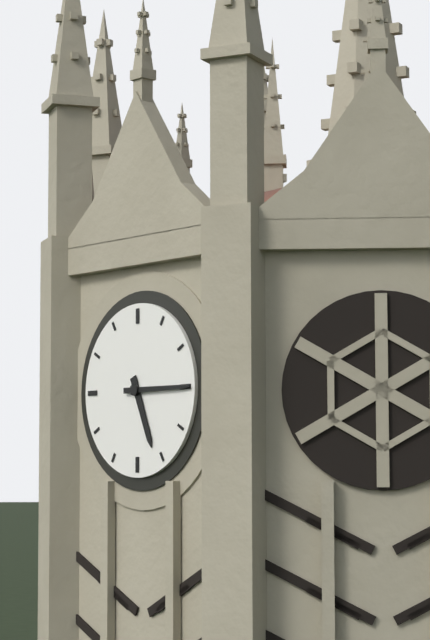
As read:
h=5 m=15
